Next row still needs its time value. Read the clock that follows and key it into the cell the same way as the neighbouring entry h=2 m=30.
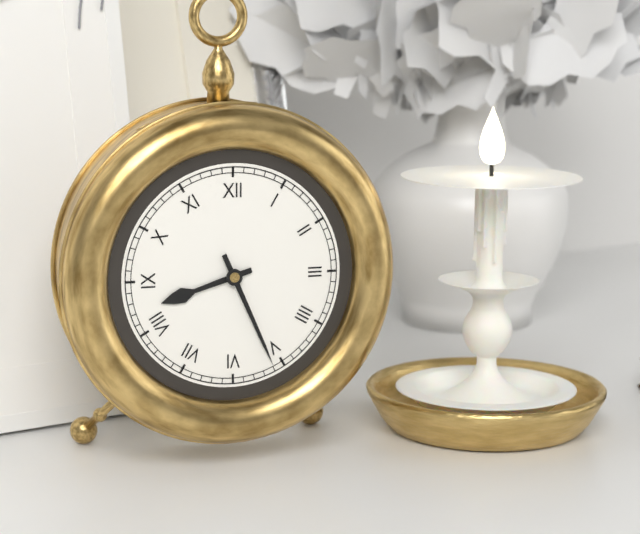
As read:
h=8 m=26
